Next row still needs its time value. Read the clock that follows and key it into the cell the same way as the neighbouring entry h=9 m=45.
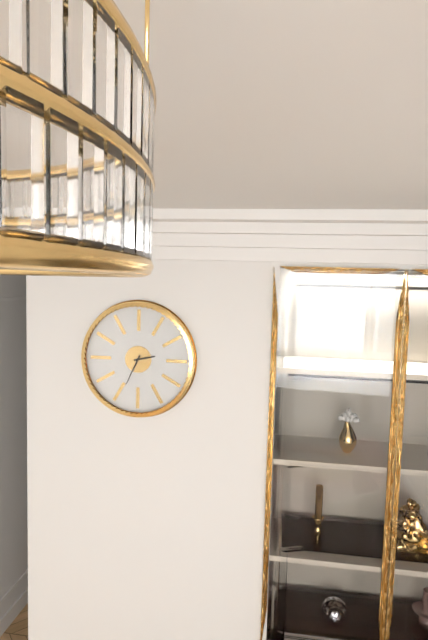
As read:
h=2 m=34
